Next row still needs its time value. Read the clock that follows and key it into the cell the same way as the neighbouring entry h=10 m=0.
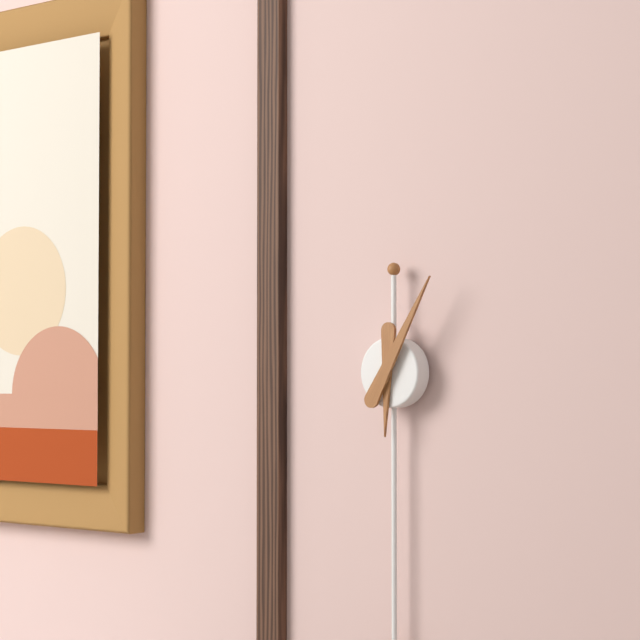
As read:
h=6 m=5
